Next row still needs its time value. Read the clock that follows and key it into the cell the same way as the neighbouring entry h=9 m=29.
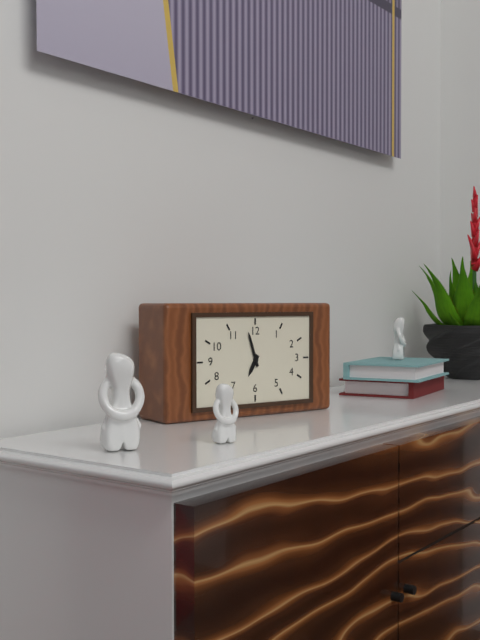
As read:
h=6 m=57
